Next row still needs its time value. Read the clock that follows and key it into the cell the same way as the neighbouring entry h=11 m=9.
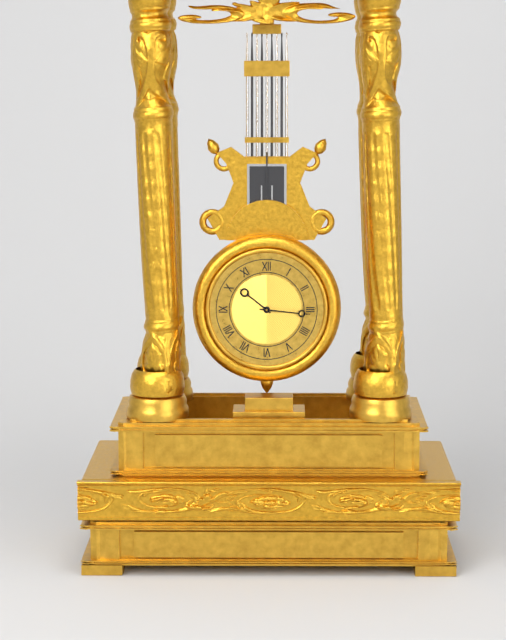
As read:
h=10 m=16
